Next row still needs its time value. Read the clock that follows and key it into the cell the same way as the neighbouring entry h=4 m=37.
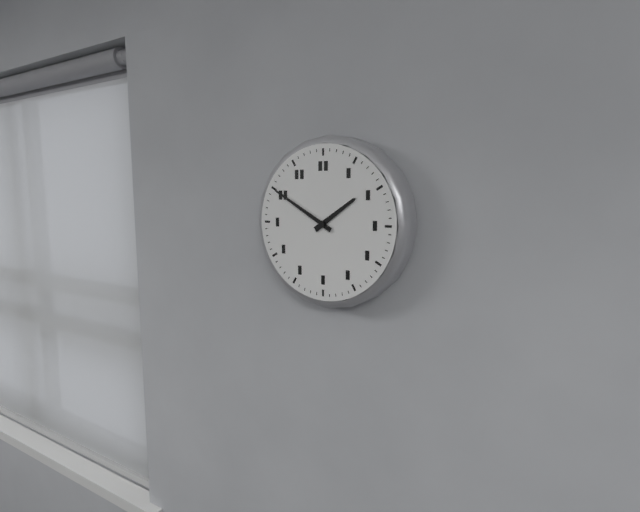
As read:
h=1 m=50
